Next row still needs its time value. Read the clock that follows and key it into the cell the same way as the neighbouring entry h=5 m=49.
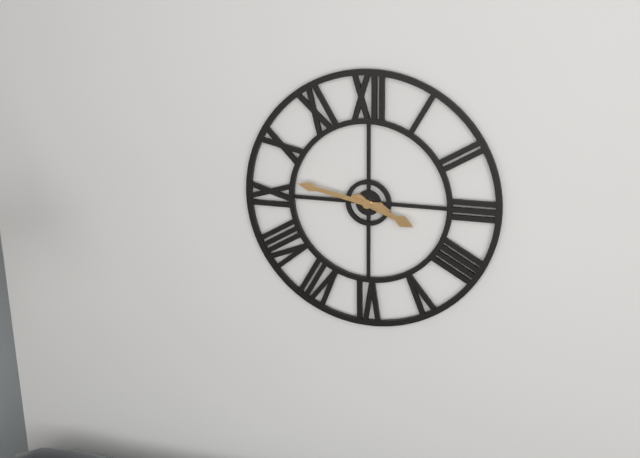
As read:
h=3 m=47
